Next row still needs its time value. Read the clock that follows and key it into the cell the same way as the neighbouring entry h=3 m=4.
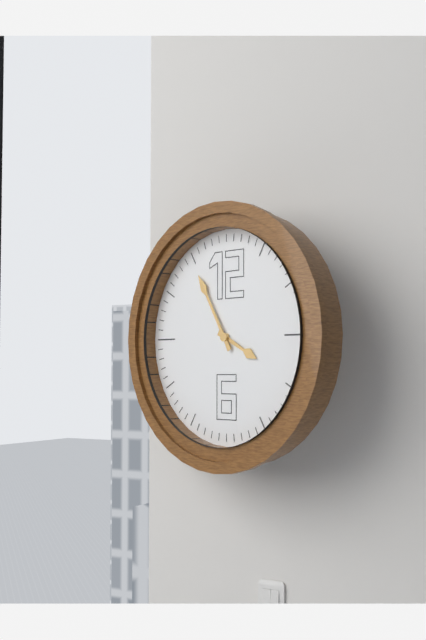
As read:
h=3 m=55
